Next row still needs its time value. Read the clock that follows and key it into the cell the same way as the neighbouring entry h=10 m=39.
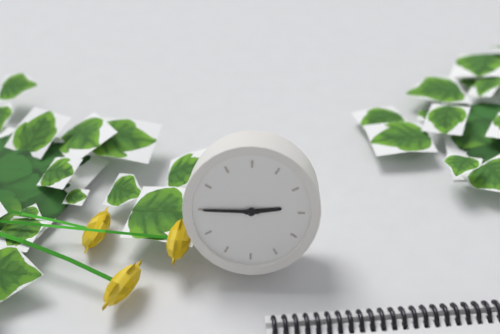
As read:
h=2 m=45
